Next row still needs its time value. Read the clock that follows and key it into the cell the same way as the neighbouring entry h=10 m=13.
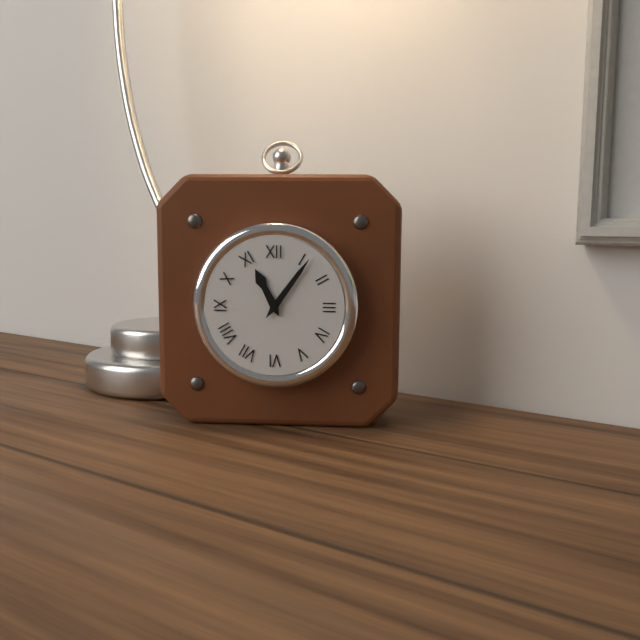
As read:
h=11 m=6
